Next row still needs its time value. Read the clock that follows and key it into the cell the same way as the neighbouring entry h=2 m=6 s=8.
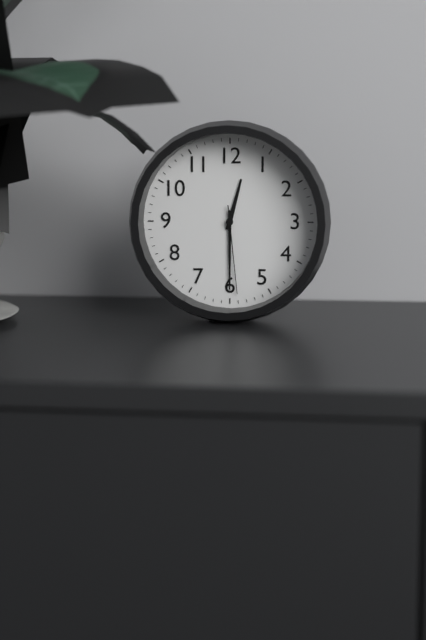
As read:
h=12 m=30 s=29
